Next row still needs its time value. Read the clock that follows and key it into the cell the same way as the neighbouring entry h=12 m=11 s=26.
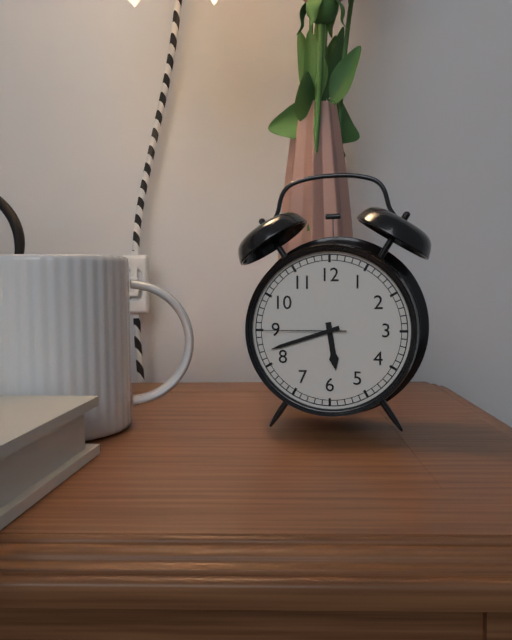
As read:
h=5 m=42 s=45
